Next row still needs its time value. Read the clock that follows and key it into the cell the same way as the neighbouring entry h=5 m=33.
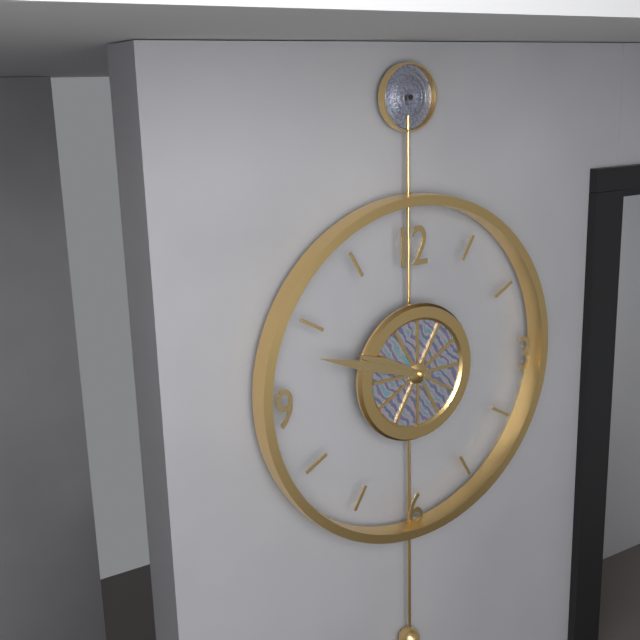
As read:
h=9 m=48
